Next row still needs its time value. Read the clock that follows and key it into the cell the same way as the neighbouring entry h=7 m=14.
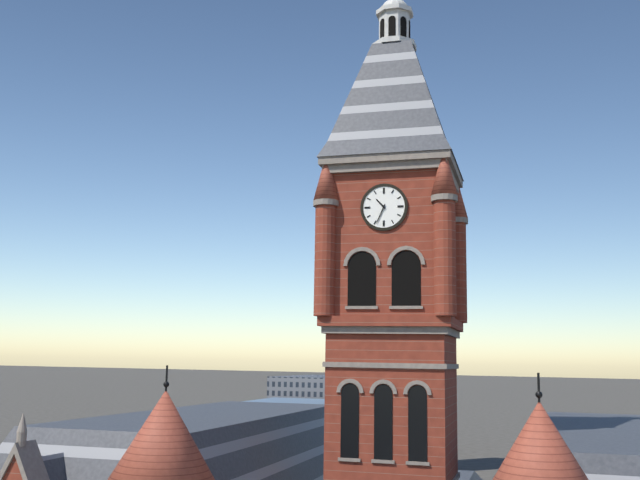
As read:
h=10 m=34
